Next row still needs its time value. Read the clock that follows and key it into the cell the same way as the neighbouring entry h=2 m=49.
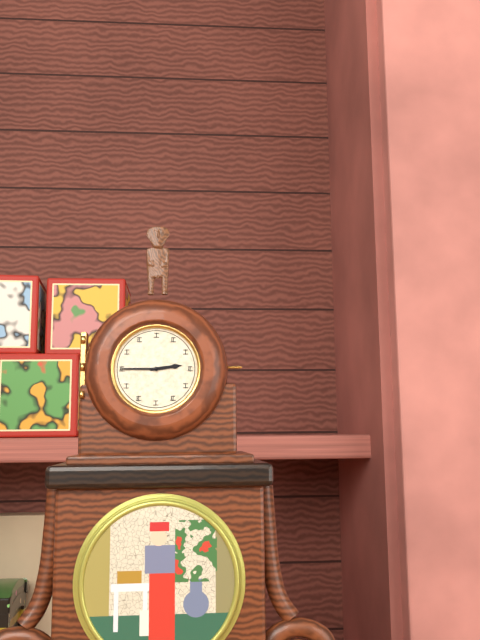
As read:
h=2 m=45
